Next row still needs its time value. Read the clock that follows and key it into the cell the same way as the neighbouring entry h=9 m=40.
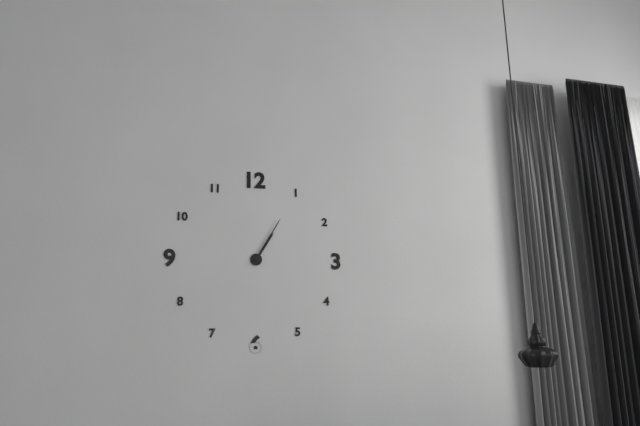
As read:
h=1 m=5
